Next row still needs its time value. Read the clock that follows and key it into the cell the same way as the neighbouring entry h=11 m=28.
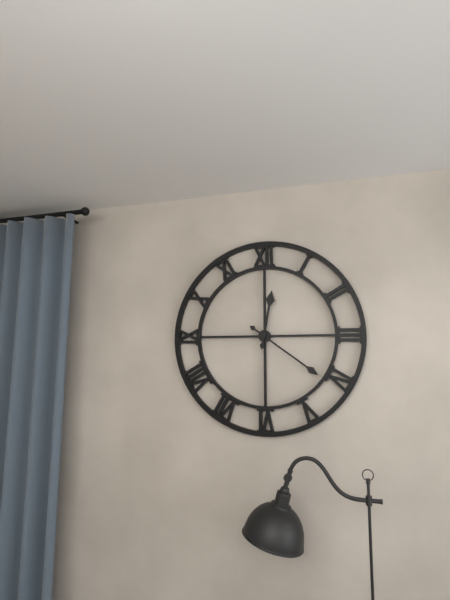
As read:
h=12 m=21
